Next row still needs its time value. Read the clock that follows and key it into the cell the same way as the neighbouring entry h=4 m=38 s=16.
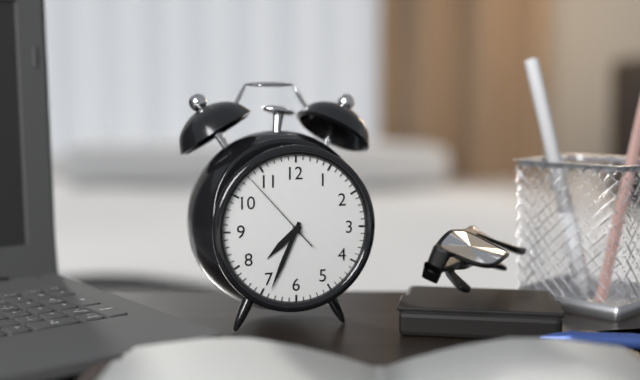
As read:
h=7 m=34 s=53
